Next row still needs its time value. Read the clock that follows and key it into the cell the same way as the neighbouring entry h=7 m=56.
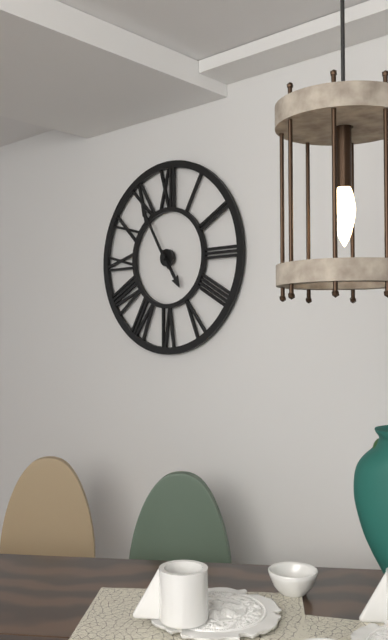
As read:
h=4 m=55
